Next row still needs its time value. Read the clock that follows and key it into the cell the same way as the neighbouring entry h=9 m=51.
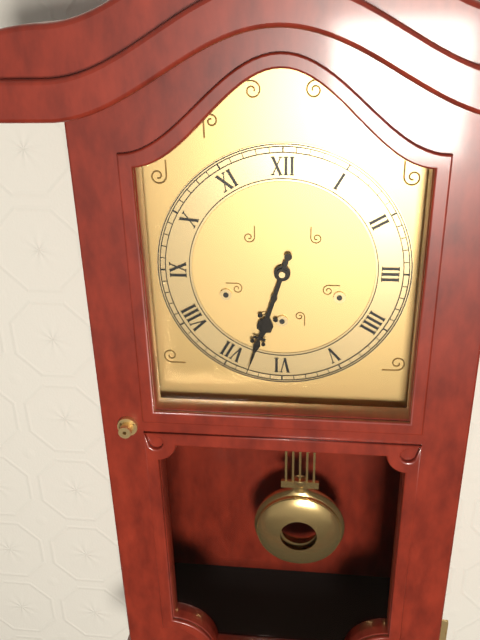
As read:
h=6 m=33
